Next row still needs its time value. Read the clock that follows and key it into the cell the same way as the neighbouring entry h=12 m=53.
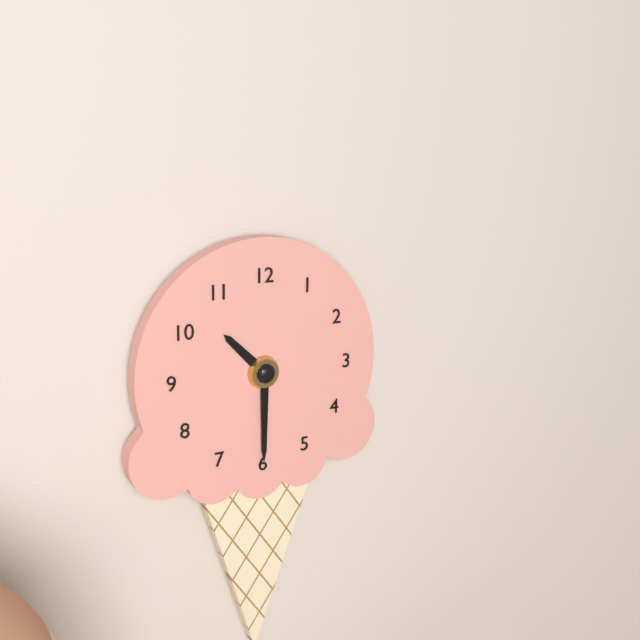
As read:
h=10 m=30
